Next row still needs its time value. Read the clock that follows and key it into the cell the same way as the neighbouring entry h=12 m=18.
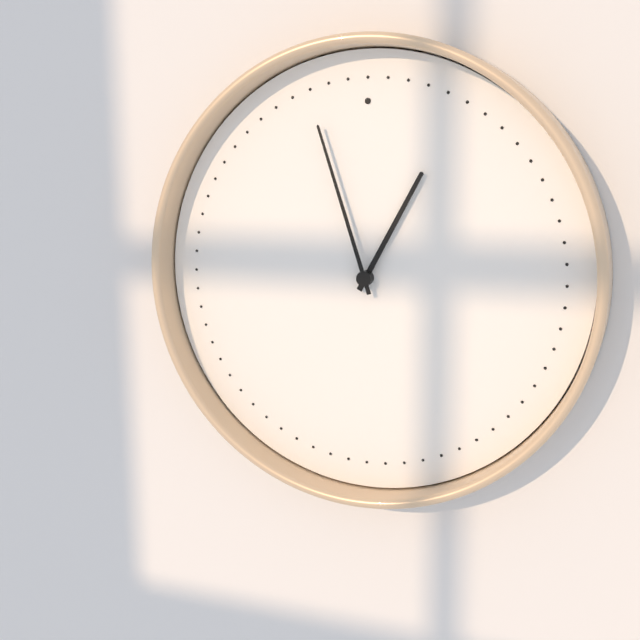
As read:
h=12 m=57
